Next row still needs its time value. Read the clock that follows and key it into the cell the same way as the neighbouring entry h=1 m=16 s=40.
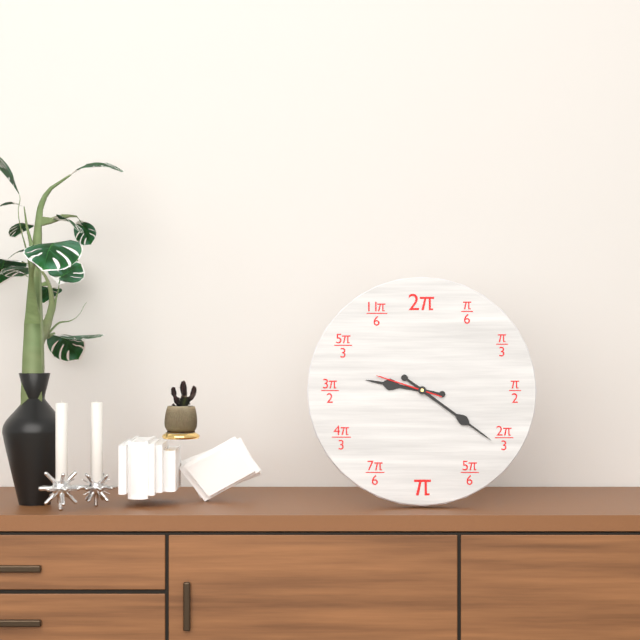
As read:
h=9 m=21 s=48
